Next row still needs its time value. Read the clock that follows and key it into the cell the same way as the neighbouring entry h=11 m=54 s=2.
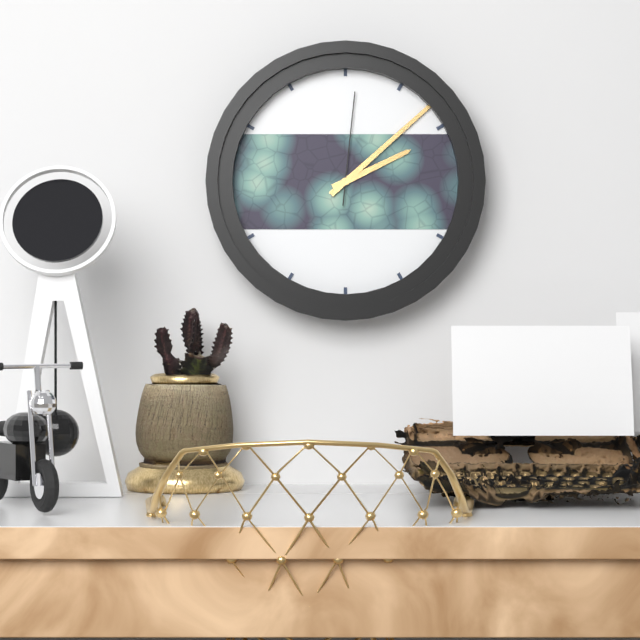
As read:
h=2 m=8 s=1
